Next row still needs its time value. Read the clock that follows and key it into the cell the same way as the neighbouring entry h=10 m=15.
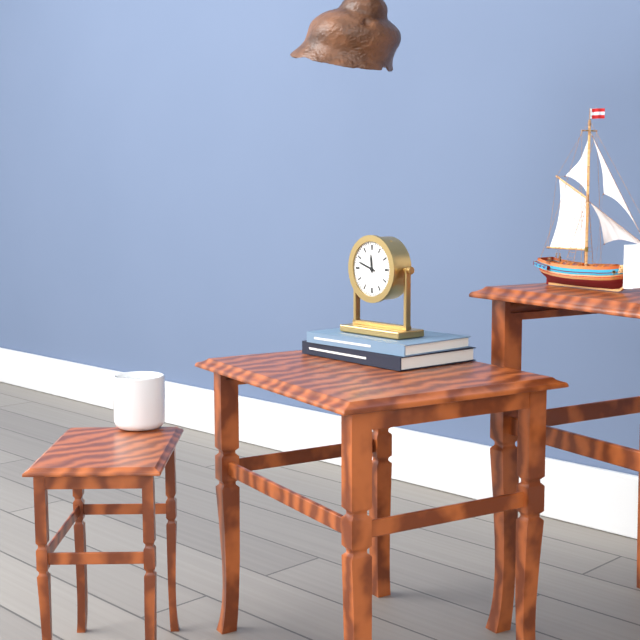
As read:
h=11 m=48
